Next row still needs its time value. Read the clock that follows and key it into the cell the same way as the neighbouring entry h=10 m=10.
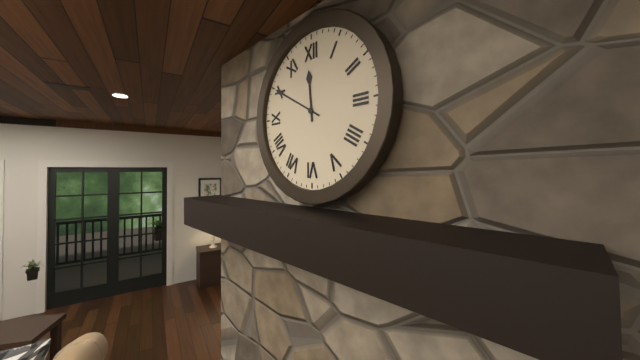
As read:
h=11 m=50
